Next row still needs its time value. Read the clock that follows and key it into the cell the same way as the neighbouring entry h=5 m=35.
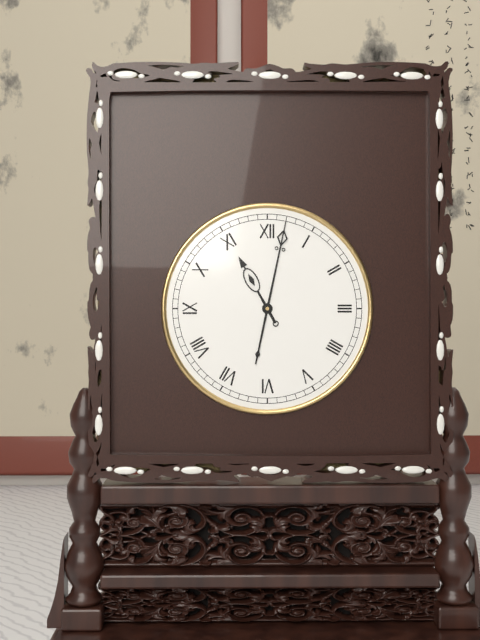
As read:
h=11 m=2
